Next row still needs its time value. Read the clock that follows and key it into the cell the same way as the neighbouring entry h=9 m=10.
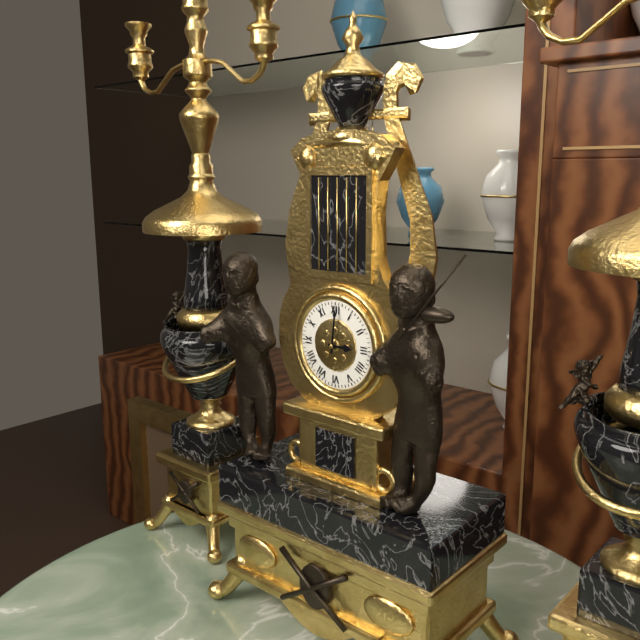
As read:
h=3 m=1
